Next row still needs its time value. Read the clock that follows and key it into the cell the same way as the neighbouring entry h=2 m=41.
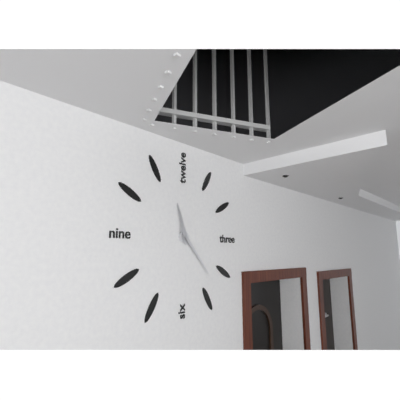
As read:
h=11 m=23
